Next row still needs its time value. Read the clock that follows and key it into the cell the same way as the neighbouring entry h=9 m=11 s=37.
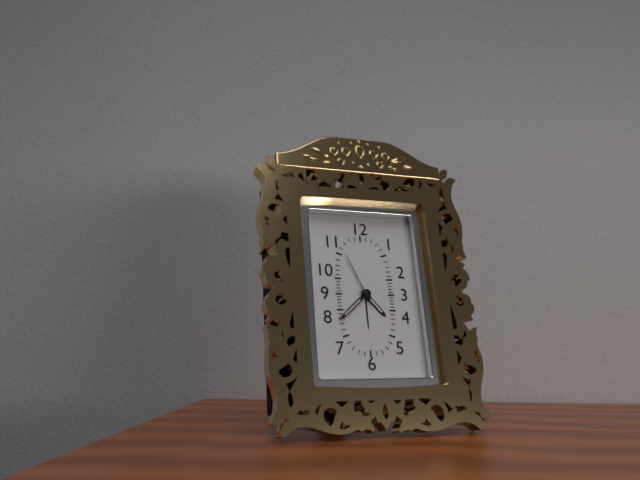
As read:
h=4 m=38 s=56
